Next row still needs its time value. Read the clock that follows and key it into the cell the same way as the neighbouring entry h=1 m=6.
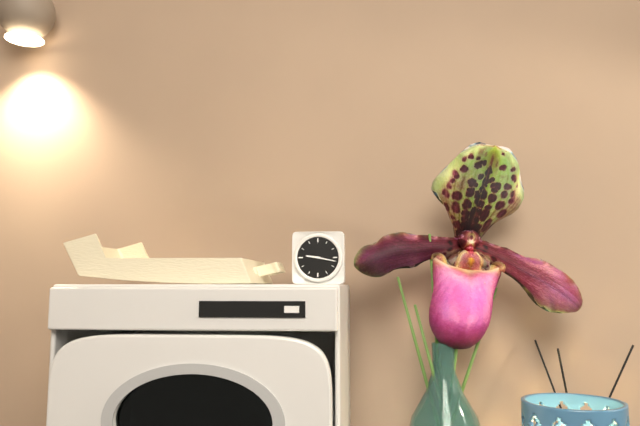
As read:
h=9 m=17
